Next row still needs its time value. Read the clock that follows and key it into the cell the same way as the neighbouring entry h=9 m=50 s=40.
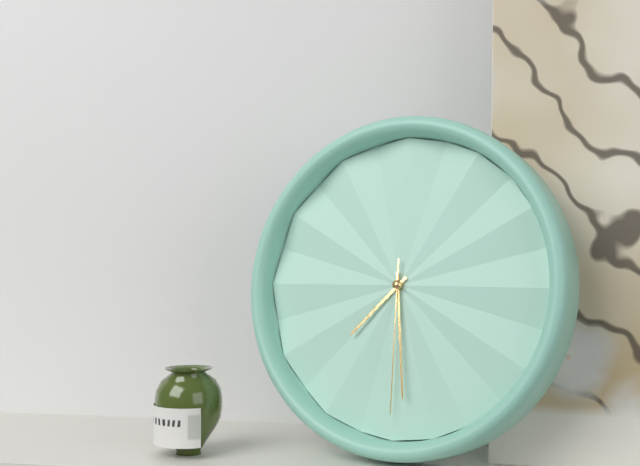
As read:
h=7 m=29 s=30
